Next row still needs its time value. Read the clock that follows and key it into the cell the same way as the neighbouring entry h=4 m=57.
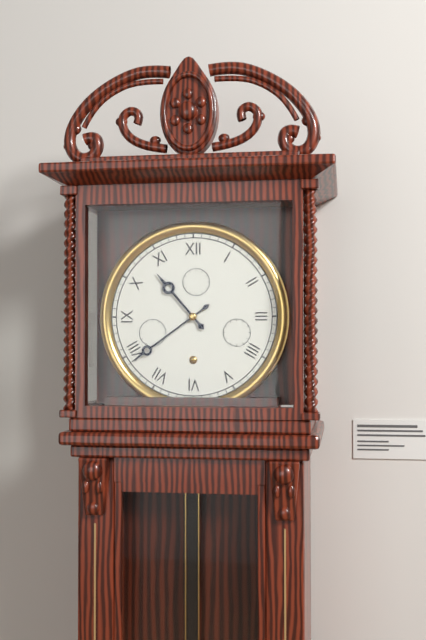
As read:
h=10 m=39
